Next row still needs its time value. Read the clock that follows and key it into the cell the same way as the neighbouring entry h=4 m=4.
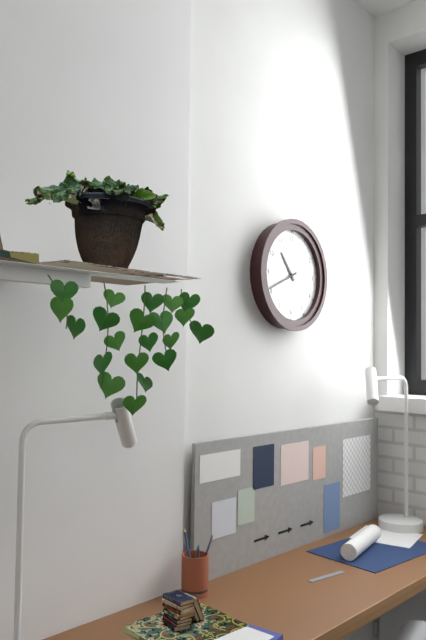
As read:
h=10 m=41
